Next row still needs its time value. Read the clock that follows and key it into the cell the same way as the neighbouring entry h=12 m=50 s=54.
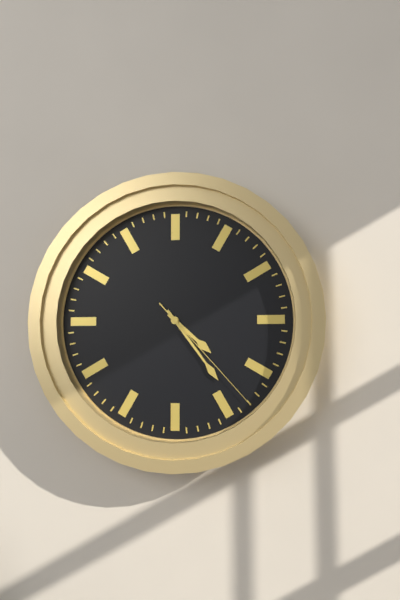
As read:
h=4 m=24 s=23
